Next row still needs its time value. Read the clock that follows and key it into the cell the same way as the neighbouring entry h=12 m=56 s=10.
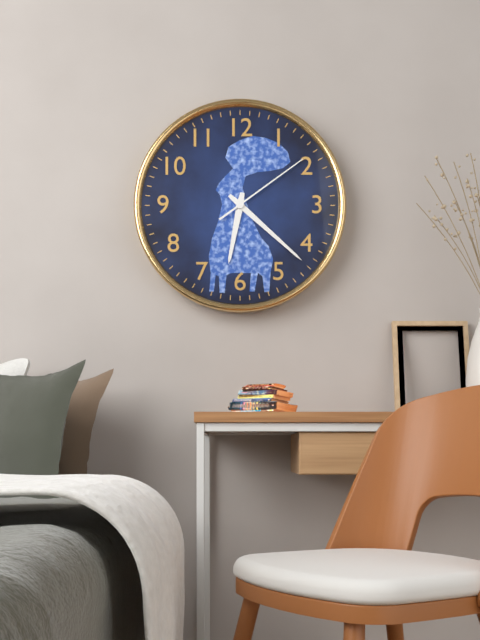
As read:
h=6 m=22 s=9
